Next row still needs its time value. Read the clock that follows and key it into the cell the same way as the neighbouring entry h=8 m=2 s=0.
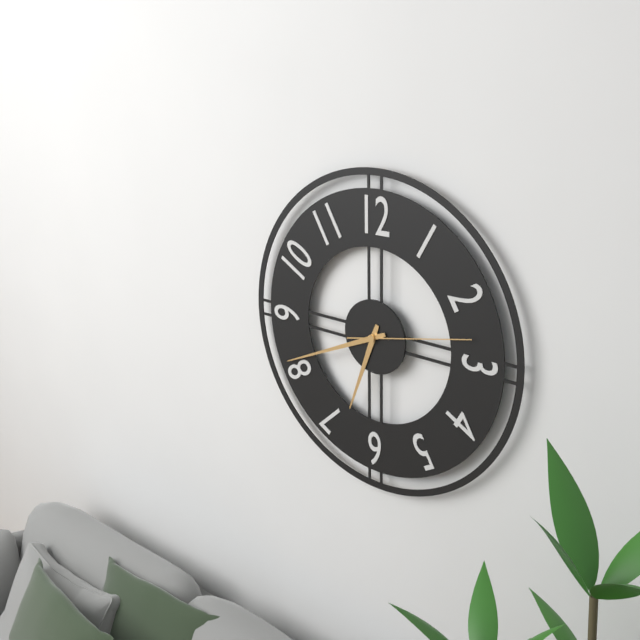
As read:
h=6 m=41 s=13
